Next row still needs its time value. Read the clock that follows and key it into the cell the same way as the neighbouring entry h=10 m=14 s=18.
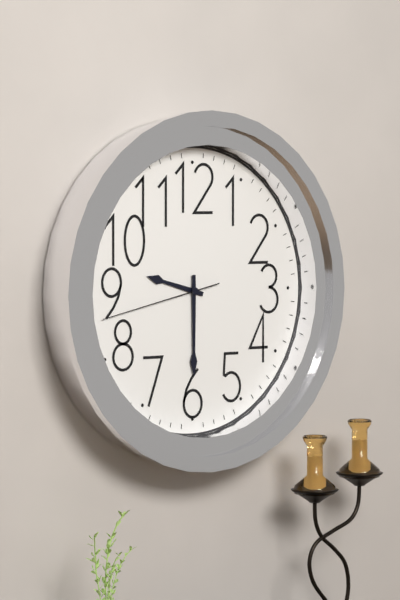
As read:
h=9 m=30 s=43
